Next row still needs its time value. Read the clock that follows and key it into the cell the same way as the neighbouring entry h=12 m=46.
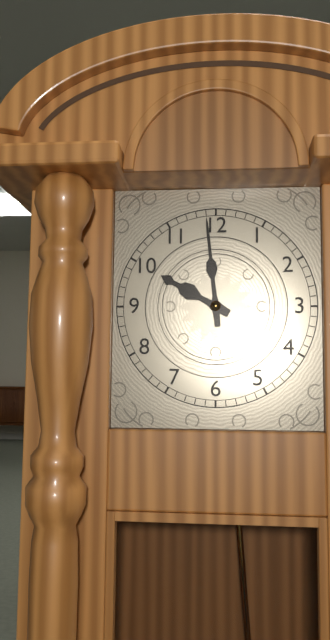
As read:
h=9 m=59
